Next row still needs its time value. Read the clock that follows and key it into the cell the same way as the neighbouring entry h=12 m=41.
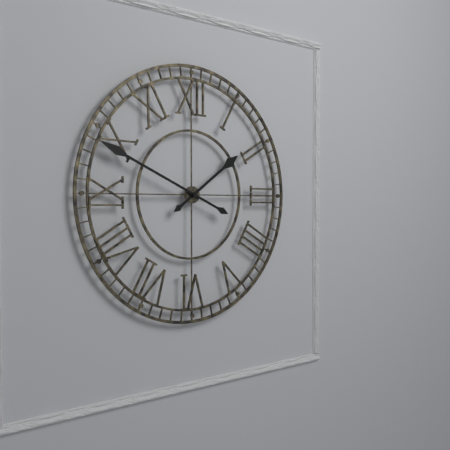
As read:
h=1 m=49
